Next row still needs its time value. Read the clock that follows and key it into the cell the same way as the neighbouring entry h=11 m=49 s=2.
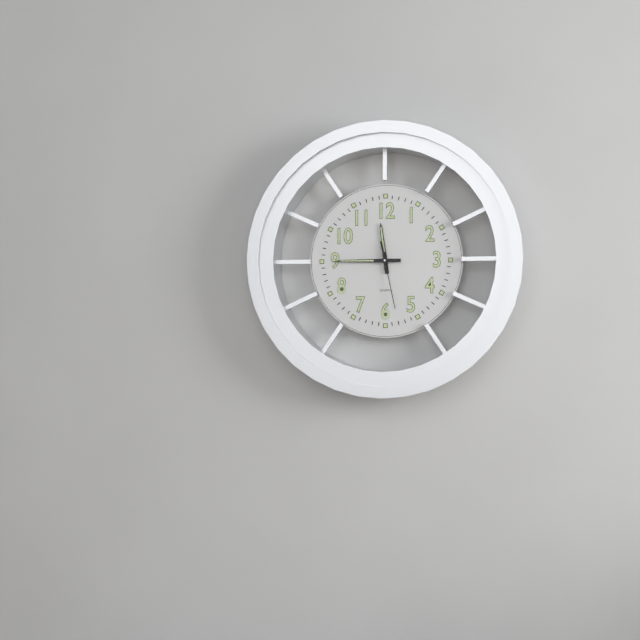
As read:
h=11 m=45 s=28
